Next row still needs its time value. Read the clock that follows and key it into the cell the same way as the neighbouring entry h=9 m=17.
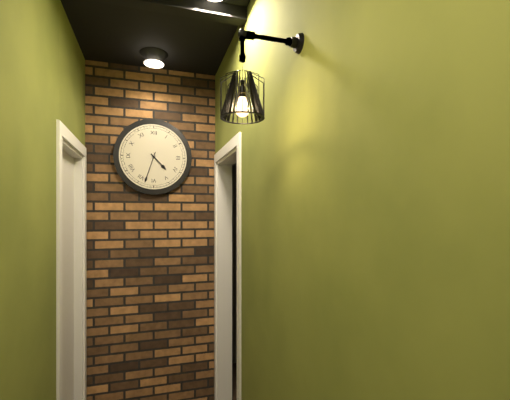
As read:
h=4 m=33
